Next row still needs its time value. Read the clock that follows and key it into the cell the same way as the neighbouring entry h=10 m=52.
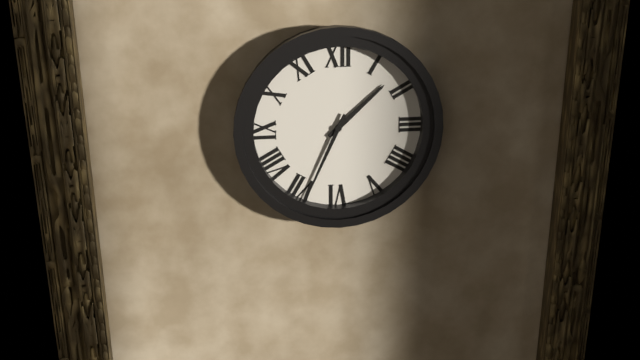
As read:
h=1 m=34
